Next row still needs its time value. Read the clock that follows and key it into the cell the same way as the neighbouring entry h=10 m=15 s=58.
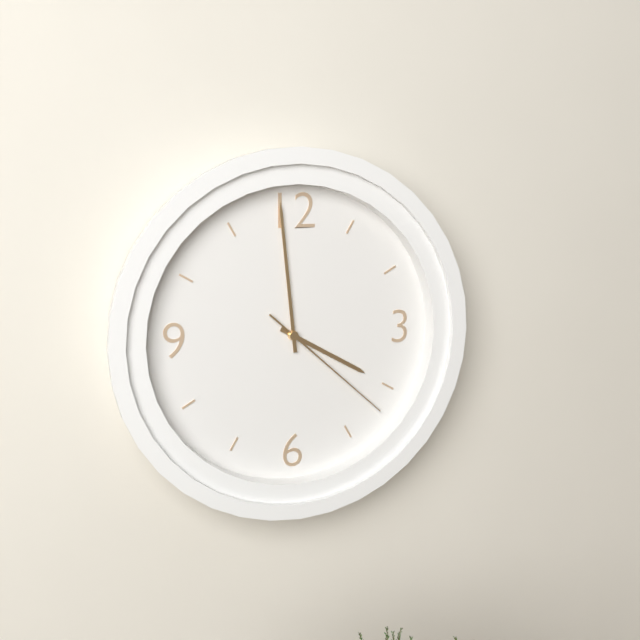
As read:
h=3 m=59 s=22
